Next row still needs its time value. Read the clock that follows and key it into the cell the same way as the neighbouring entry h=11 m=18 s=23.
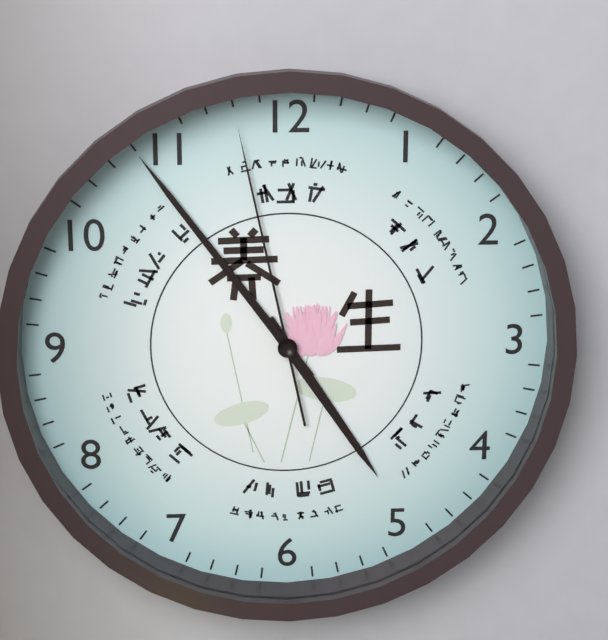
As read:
h=4 m=54 s=58
